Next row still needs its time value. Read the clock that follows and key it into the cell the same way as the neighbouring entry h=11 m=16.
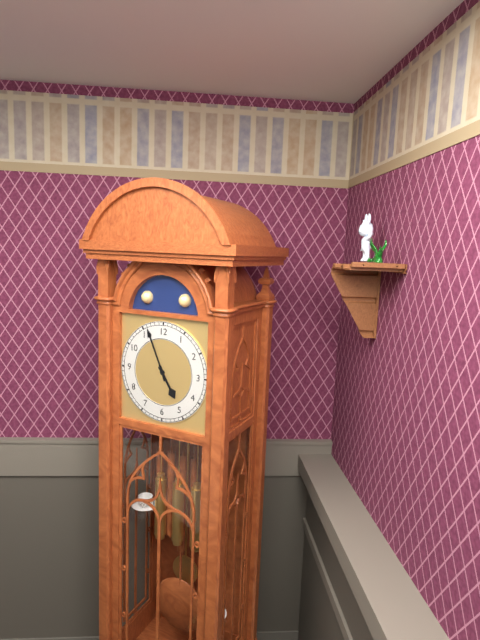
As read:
h=4 m=56
